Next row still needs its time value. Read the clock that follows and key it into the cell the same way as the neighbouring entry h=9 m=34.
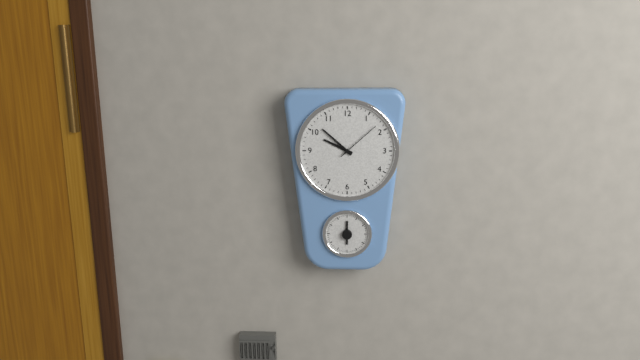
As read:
h=9 m=52
